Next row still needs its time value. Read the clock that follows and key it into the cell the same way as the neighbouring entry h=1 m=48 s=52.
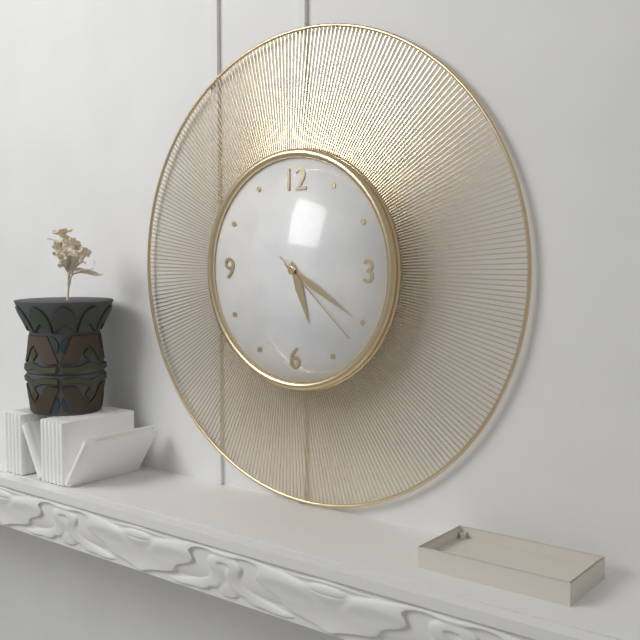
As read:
h=5 m=20 s=22
